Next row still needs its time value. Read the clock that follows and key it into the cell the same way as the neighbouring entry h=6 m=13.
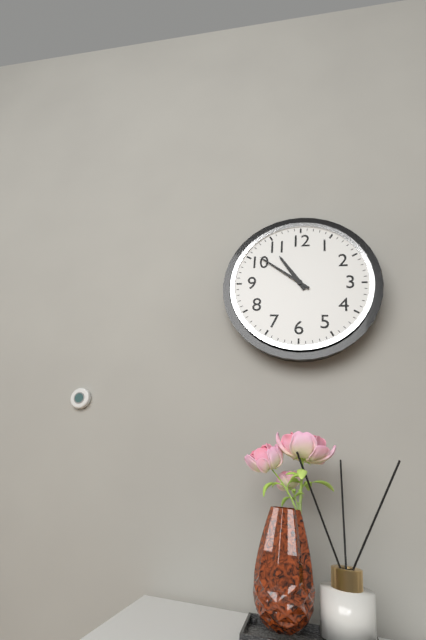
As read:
h=10 m=51
